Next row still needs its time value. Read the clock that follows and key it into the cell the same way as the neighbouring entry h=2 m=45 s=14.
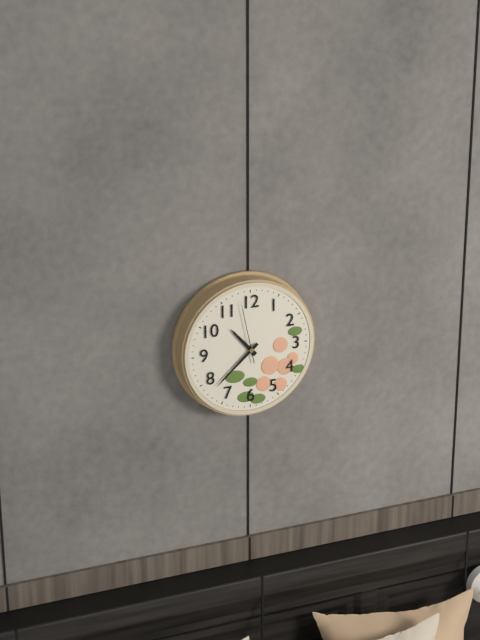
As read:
h=10 m=38 s=58
